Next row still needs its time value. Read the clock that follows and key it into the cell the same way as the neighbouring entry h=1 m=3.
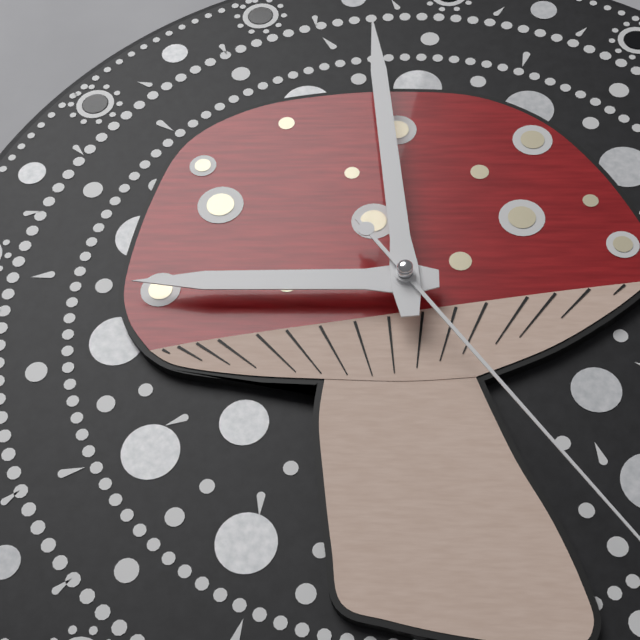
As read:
h=8 m=59
